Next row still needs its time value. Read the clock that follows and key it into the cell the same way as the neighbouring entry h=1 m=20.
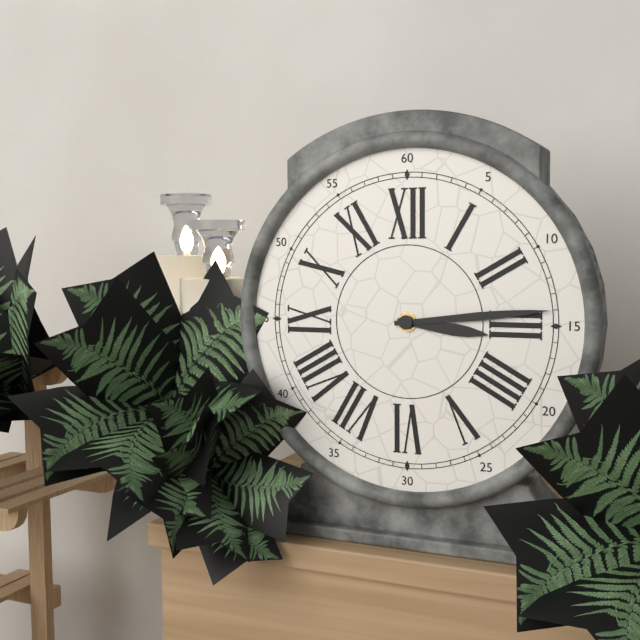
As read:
h=3 m=14
